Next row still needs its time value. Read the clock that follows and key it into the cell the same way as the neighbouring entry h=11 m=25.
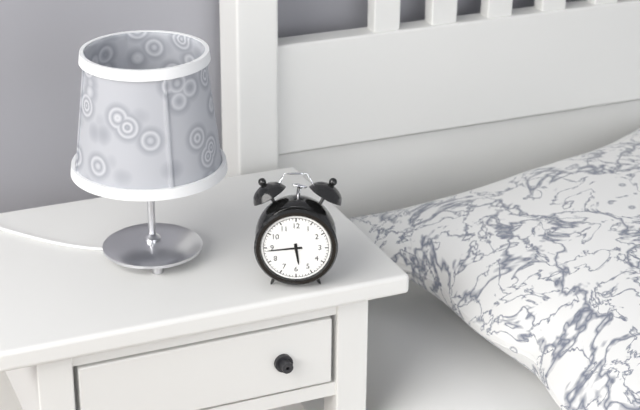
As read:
h=5 m=44
